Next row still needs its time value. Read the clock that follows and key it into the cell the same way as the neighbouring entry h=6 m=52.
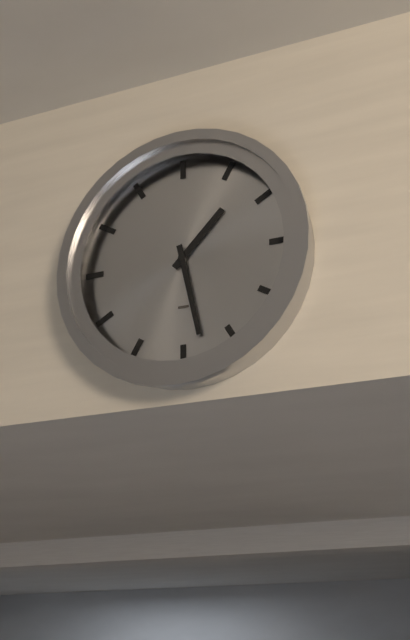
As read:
h=1 m=28
